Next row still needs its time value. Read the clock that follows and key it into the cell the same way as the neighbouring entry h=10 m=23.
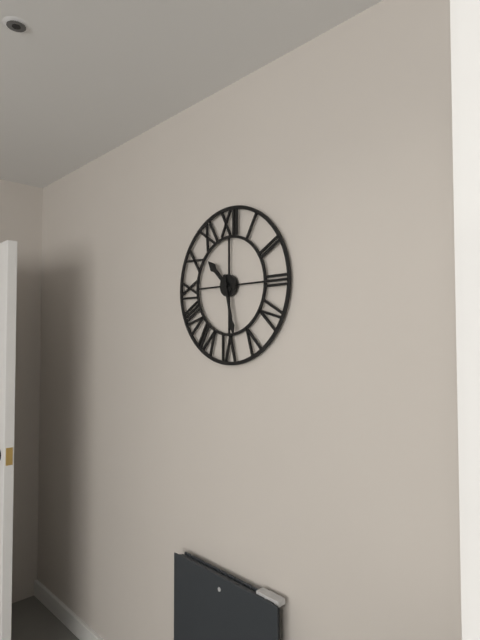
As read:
h=10 m=28
